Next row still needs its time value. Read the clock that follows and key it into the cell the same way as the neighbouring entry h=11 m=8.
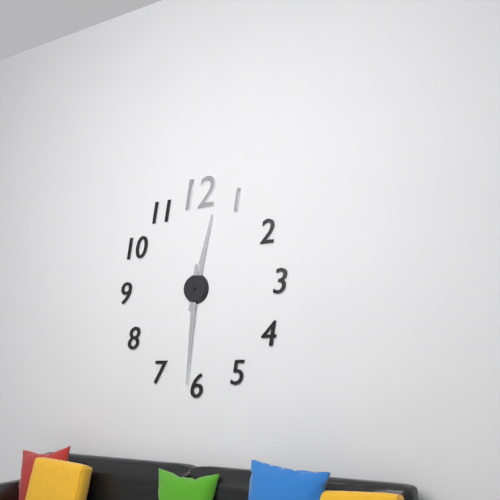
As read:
h=12 m=31
